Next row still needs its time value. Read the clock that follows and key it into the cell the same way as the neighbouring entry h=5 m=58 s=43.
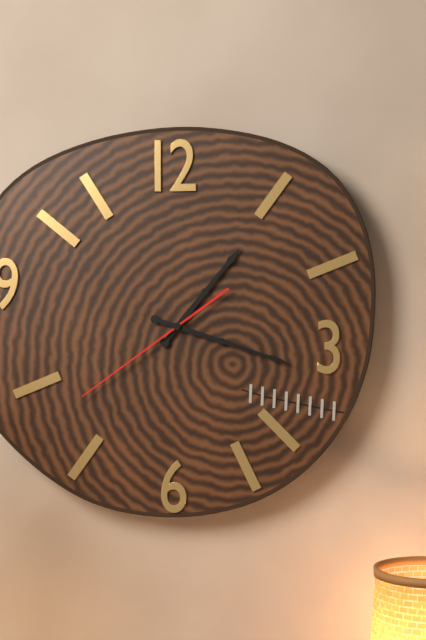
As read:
h=1 m=18 s=39
